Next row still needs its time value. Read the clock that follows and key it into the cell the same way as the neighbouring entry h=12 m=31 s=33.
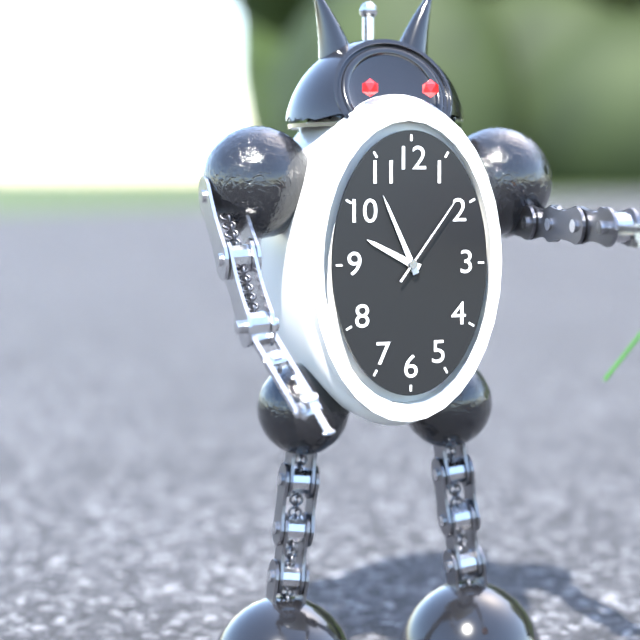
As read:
h=9 m=56 s=6
